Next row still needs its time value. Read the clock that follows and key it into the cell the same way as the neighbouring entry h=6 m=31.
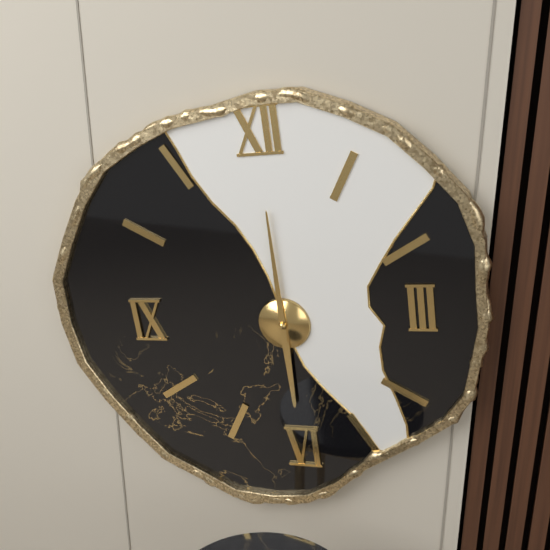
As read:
h=6 m=0
